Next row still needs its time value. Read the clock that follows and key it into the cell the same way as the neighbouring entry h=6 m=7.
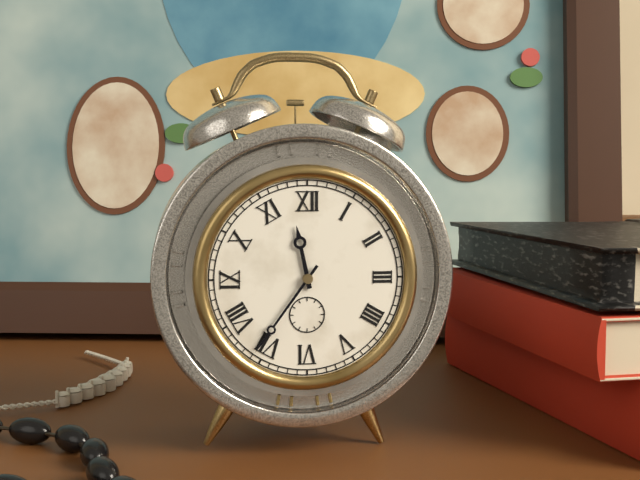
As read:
h=11 m=36
